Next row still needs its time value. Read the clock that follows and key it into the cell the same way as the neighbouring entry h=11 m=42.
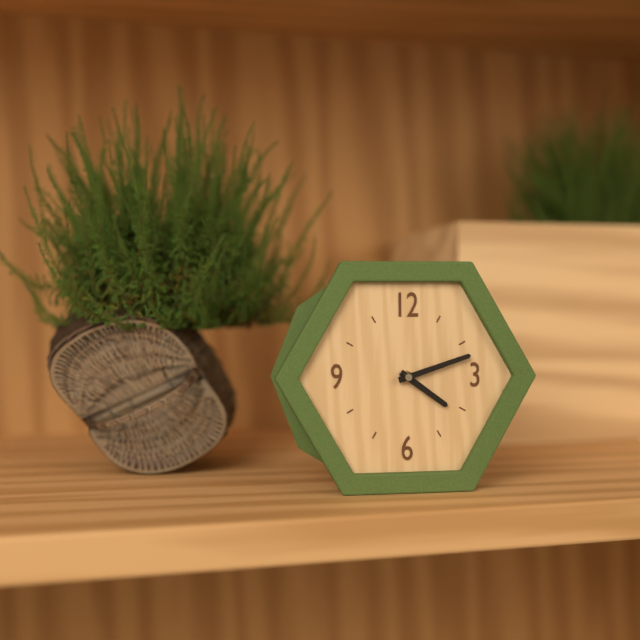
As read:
h=4 m=12
